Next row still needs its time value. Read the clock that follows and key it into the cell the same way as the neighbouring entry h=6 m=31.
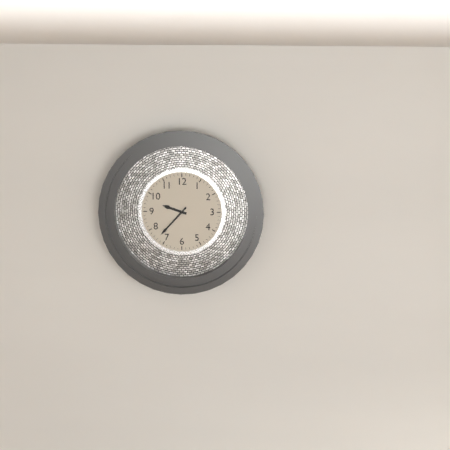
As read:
h=9 m=37
